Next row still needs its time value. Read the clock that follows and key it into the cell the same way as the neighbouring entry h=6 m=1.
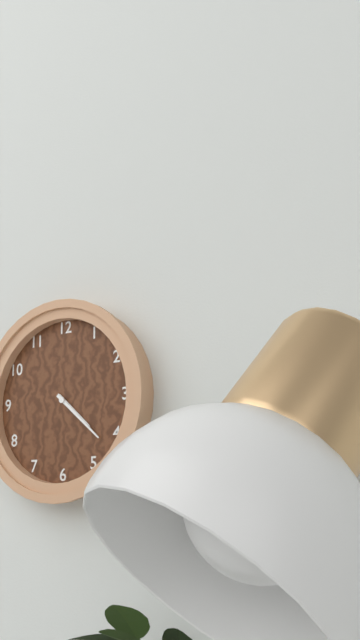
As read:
h=4 m=22
